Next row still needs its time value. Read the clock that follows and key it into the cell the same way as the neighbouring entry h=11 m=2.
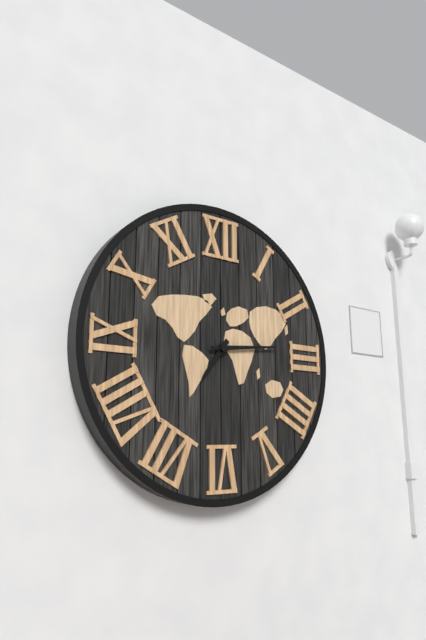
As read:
h=7 m=14
